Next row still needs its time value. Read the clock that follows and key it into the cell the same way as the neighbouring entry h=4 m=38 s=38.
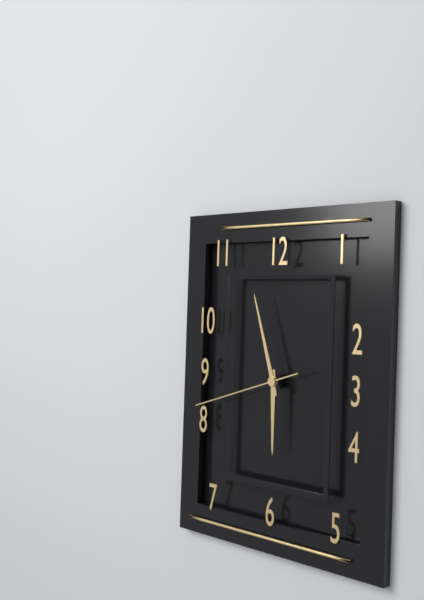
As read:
h=5 m=57 s=42
